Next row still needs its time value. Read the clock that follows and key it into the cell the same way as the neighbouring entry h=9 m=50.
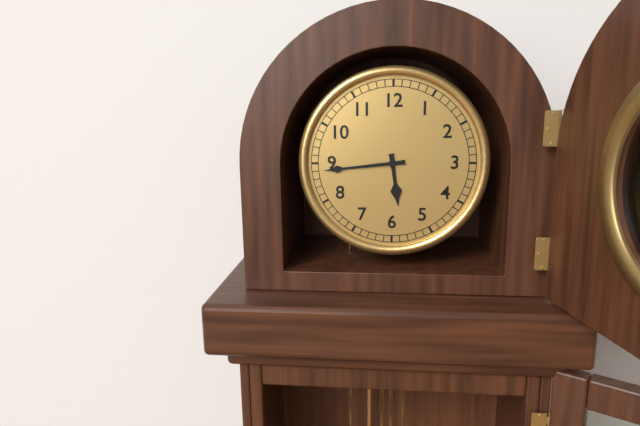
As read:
h=5 m=44
